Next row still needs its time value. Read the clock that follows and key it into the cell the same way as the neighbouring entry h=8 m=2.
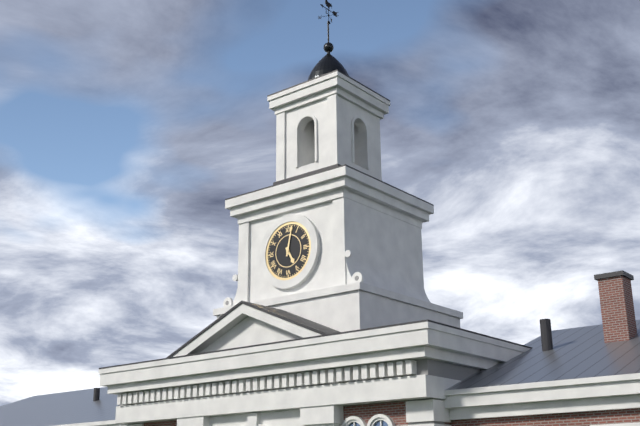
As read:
h=5 m=2
